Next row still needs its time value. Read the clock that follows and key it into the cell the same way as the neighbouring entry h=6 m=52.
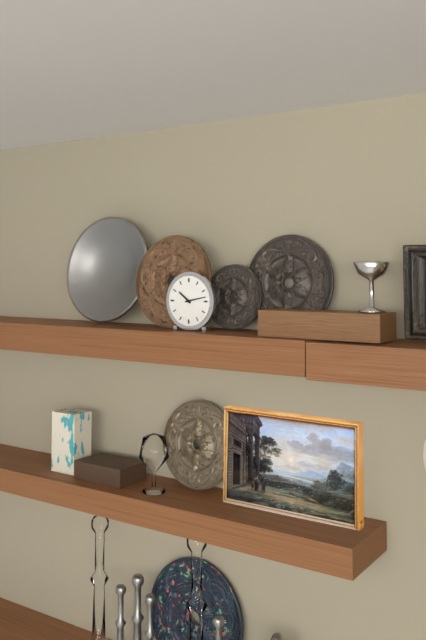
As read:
h=10 m=13
